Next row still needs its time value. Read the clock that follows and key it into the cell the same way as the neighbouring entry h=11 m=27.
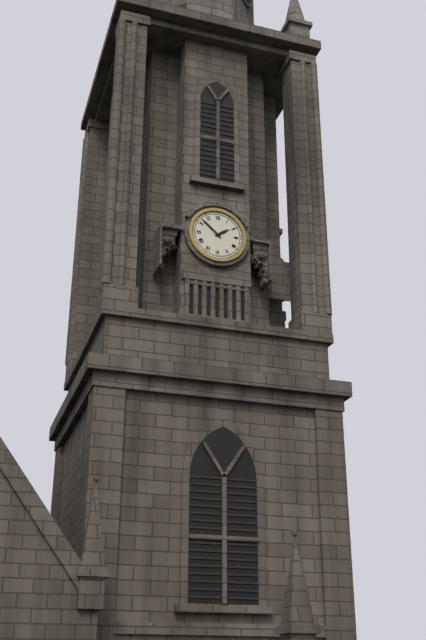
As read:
h=1 m=52
